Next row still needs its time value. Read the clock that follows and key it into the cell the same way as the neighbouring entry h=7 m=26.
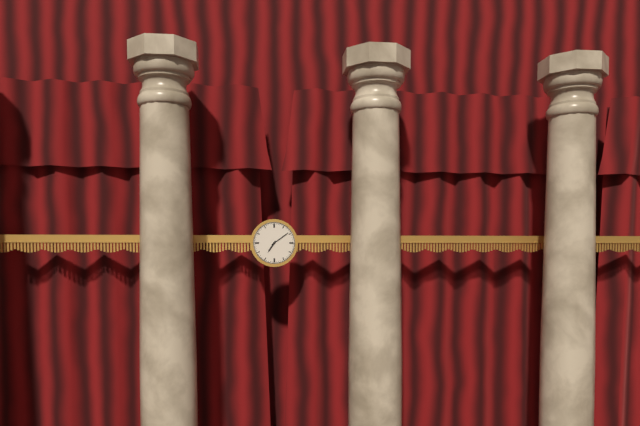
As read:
h=7 m=9
